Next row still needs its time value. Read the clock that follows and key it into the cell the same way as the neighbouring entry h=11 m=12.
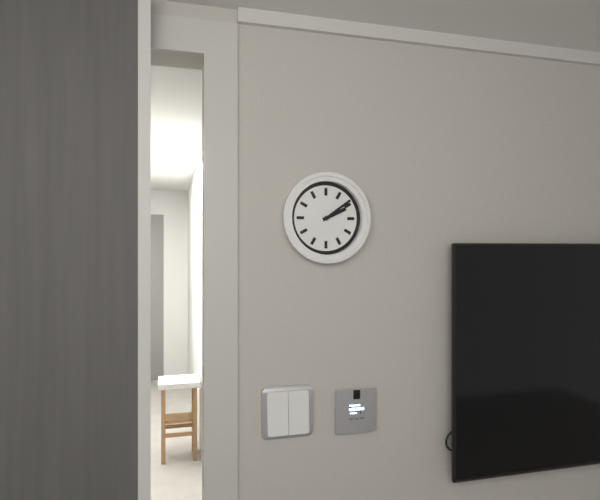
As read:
h=2 m=9
